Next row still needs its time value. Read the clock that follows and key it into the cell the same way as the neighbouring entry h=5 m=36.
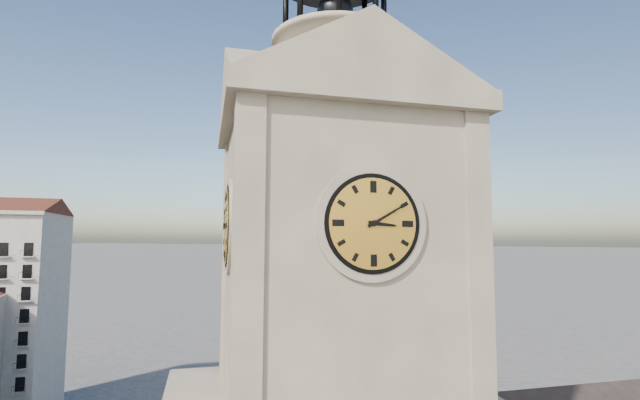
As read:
h=3 m=10
